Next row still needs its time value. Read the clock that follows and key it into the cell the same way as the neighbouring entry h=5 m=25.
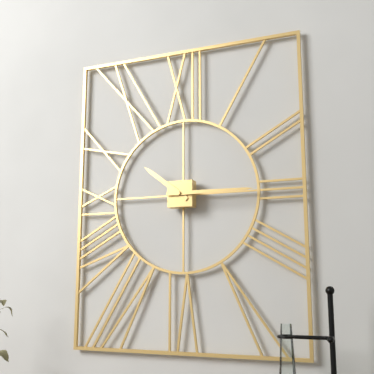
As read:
h=10 m=15
